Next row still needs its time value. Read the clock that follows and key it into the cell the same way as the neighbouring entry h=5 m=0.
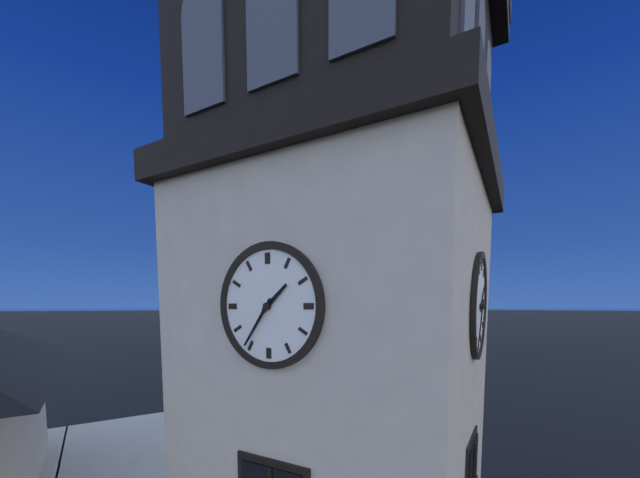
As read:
h=1 m=36
